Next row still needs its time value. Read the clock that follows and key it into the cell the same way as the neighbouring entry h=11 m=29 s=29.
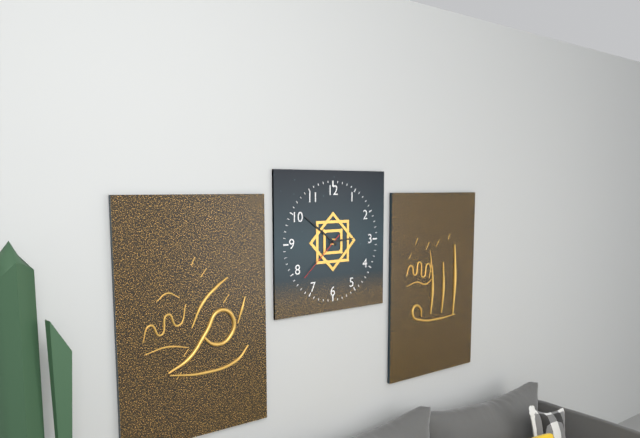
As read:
h=2 m=51 s=38
